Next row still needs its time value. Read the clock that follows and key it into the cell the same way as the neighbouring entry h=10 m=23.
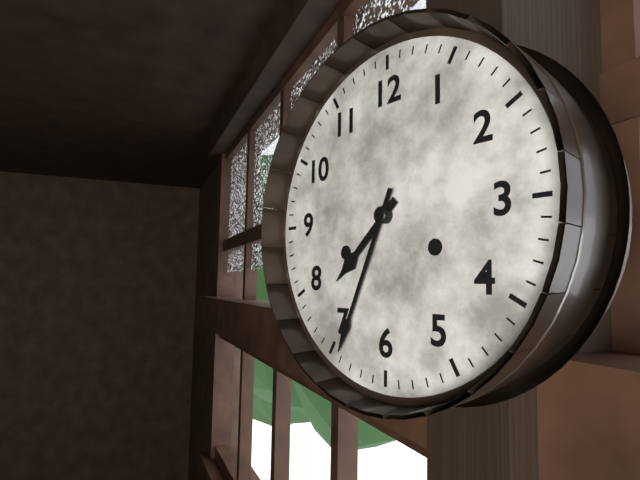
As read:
h=7 m=34
